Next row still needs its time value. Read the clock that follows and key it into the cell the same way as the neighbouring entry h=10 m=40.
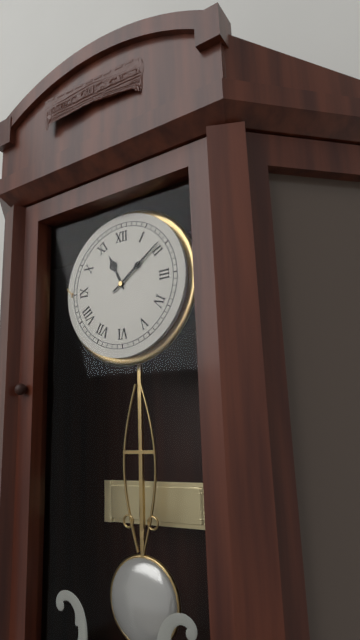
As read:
h=11 m=9
